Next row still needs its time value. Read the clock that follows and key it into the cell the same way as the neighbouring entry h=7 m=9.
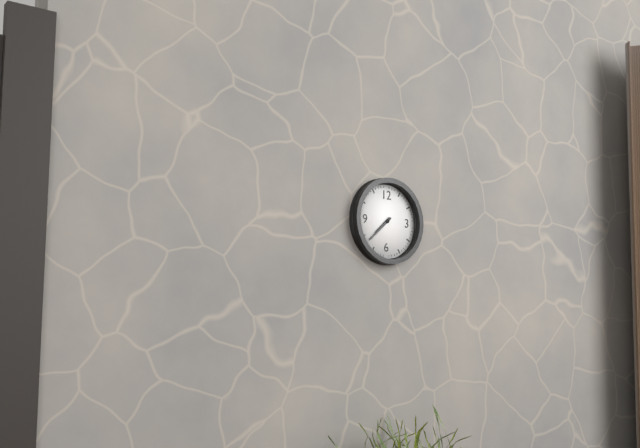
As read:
h=7 m=38
